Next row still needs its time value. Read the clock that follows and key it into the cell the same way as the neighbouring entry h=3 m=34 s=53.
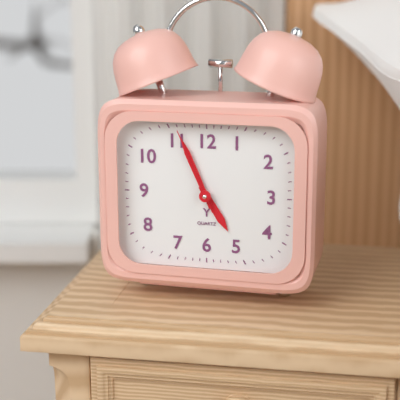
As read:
h=4 m=56 s=56
